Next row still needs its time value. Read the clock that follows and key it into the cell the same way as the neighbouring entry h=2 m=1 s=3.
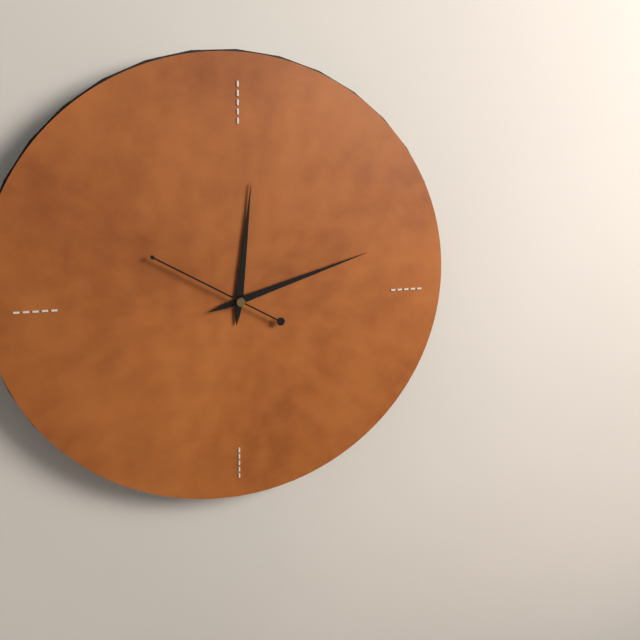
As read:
h=12 m=12 s=50
